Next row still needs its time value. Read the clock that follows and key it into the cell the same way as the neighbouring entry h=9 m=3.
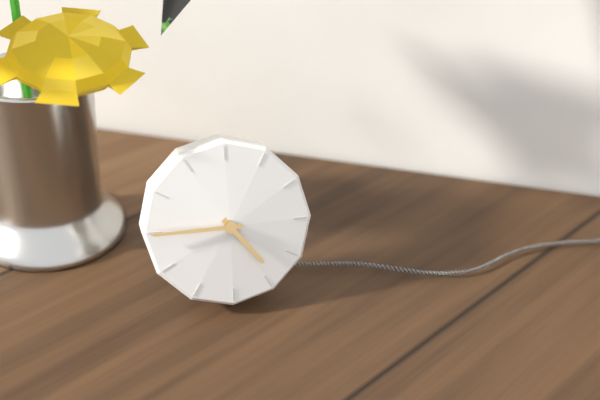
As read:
h=4 m=45
